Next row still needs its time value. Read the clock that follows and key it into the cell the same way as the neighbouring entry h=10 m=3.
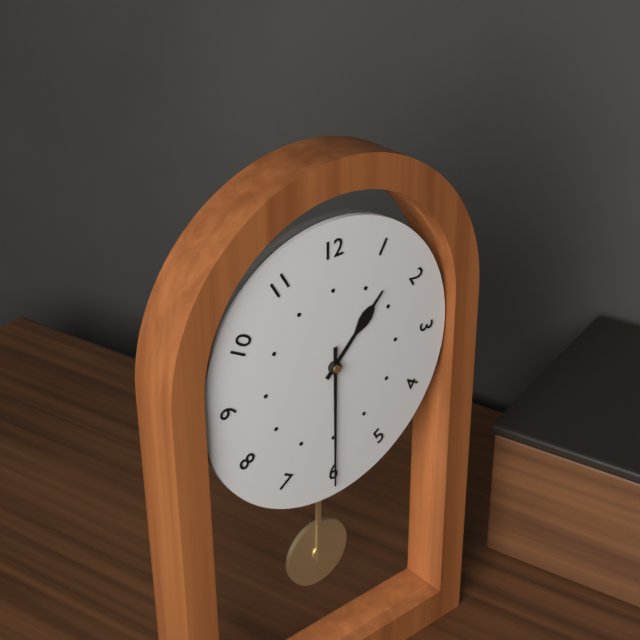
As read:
h=1 m=30
